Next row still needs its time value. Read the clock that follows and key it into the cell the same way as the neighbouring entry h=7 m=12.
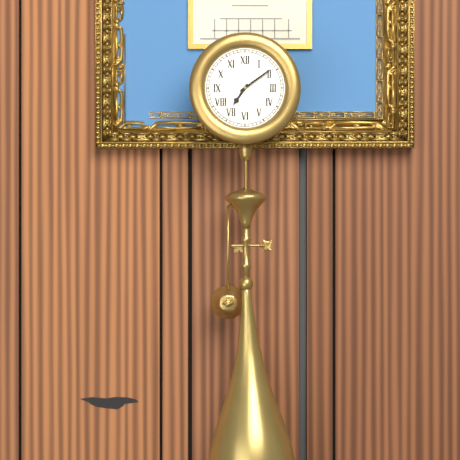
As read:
h=7 m=9
